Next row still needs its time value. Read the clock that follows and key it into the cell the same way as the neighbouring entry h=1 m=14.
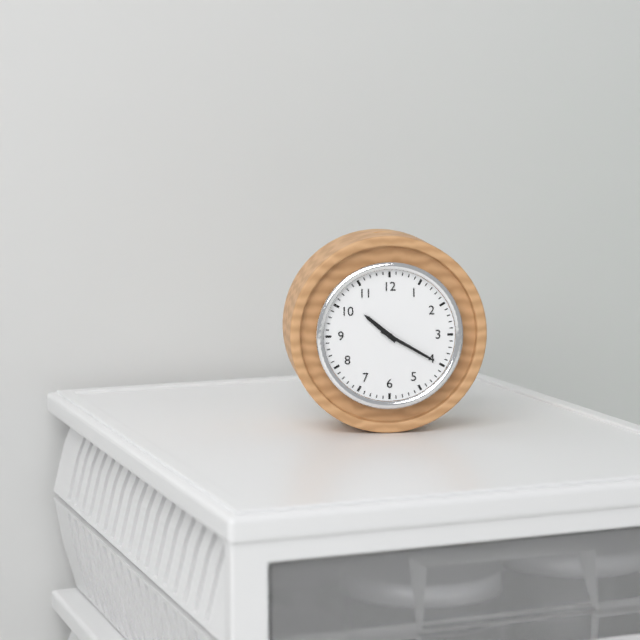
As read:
h=10 m=20
